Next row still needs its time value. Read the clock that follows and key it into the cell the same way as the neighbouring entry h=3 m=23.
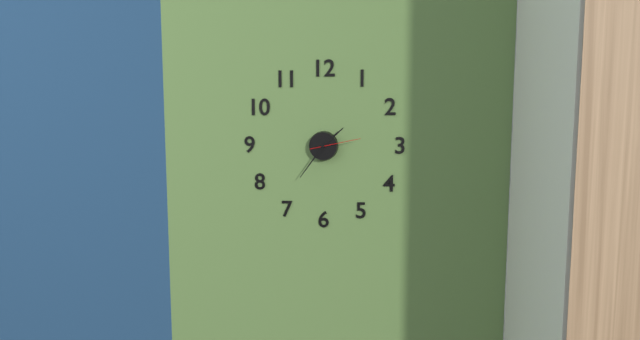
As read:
h=1 m=36
